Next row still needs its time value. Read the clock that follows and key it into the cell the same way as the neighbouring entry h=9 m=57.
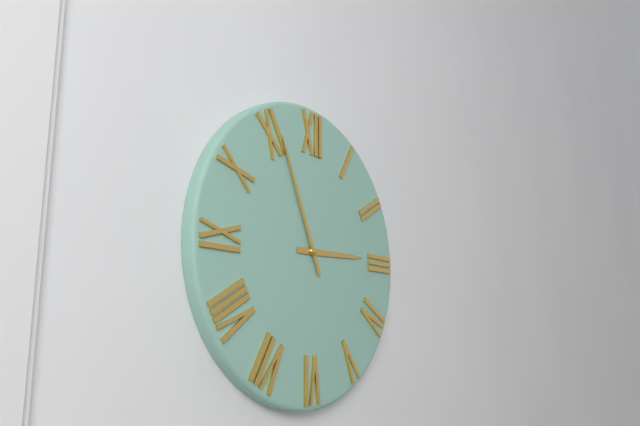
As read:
h=2 m=56
